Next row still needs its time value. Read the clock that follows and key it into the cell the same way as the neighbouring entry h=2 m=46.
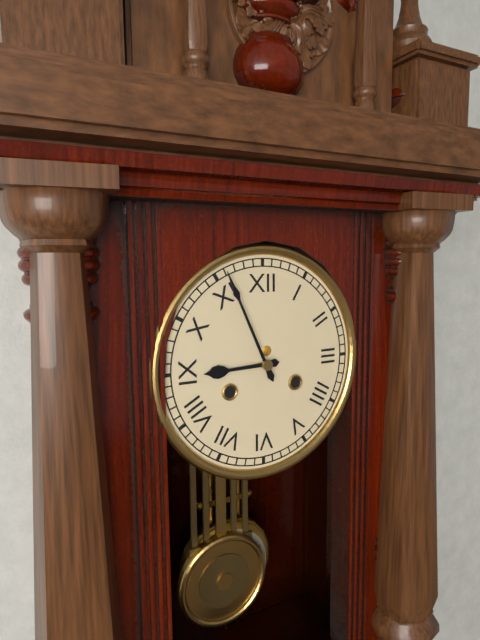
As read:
h=8 m=56
